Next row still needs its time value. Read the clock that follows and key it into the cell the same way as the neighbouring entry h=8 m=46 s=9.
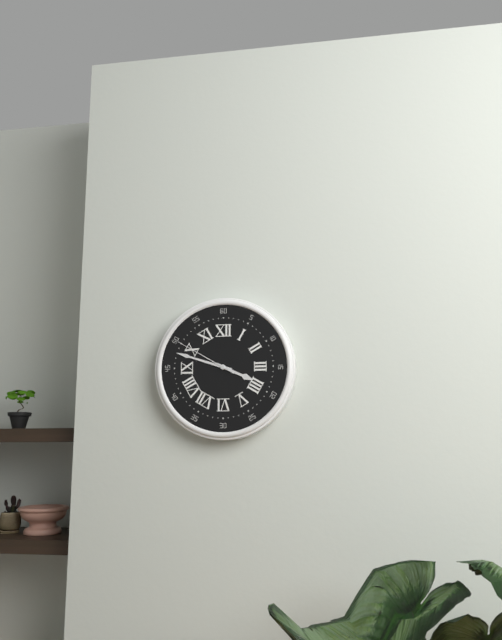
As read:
h=3 m=48 s=50
